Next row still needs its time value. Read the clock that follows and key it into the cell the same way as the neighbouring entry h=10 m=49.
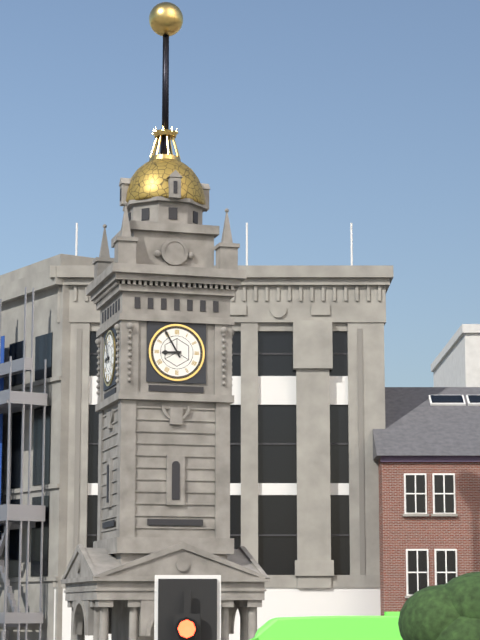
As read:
h=8 m=55
